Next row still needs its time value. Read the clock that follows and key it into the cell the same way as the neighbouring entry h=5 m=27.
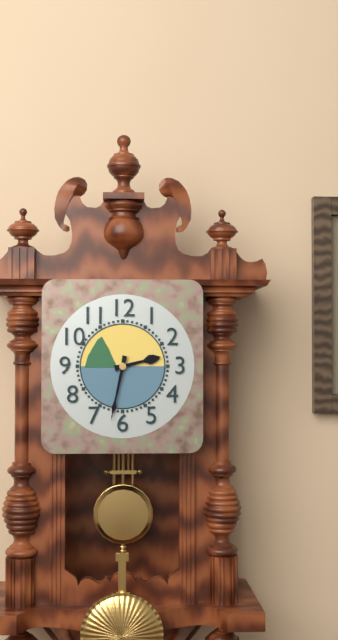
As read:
h=2 m=32
